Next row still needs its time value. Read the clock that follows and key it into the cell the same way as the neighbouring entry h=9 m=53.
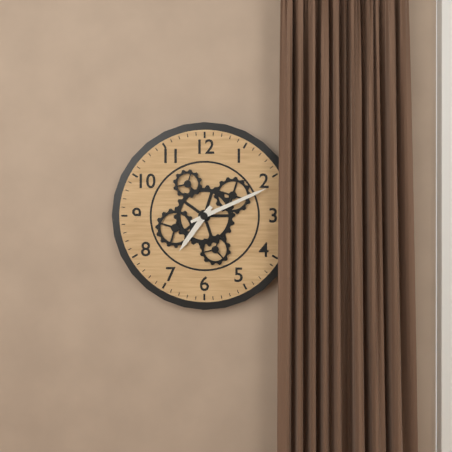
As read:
h=7 m=11
